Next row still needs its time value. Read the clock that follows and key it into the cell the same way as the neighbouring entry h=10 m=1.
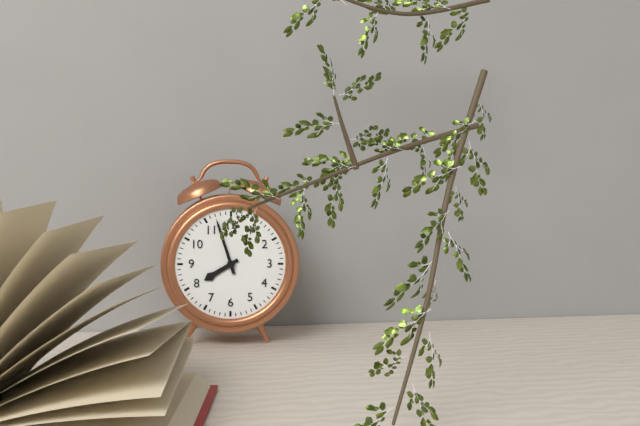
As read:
h=7 m=57
